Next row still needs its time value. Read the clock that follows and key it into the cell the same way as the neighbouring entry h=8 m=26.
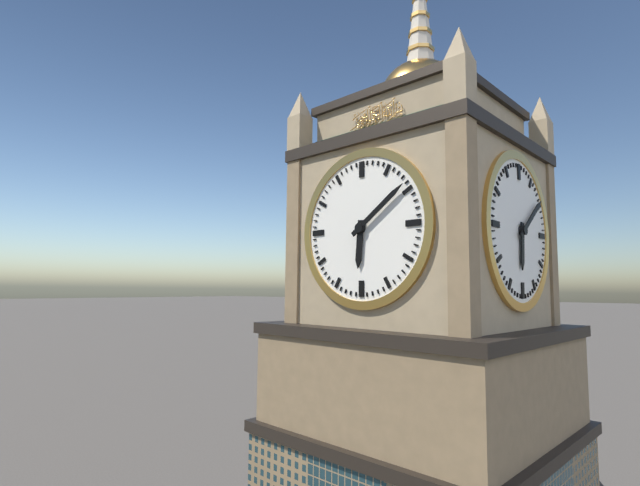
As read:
h=6 m=9
